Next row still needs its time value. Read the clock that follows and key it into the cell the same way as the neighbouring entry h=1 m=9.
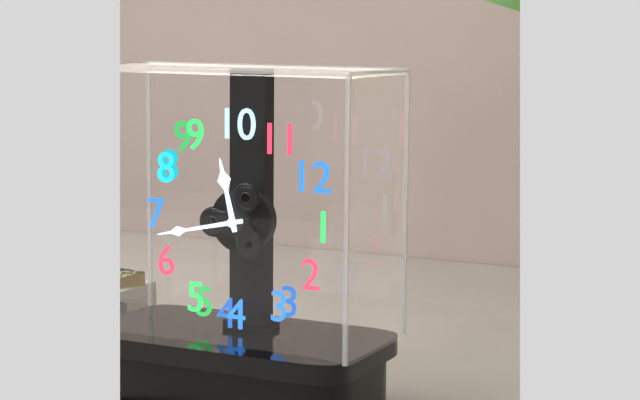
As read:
h=9 m=33
